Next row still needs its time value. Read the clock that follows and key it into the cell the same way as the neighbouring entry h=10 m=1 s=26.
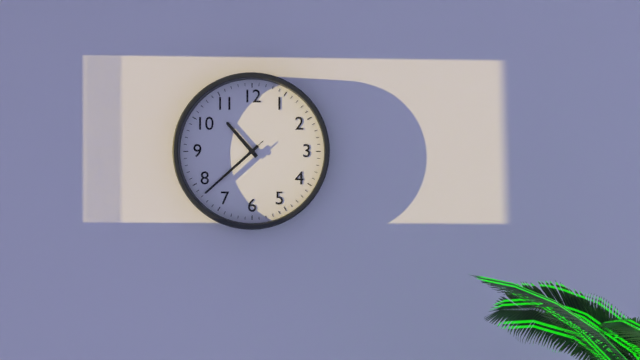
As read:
h=10 m=38 s=38
